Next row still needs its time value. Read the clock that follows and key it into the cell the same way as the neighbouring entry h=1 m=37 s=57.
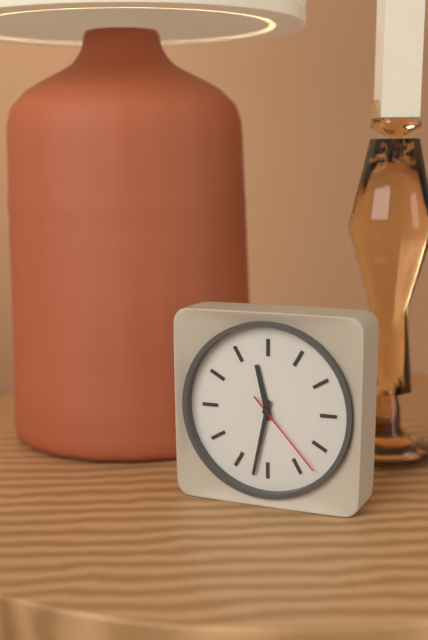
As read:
h=11 m=32 s=23
